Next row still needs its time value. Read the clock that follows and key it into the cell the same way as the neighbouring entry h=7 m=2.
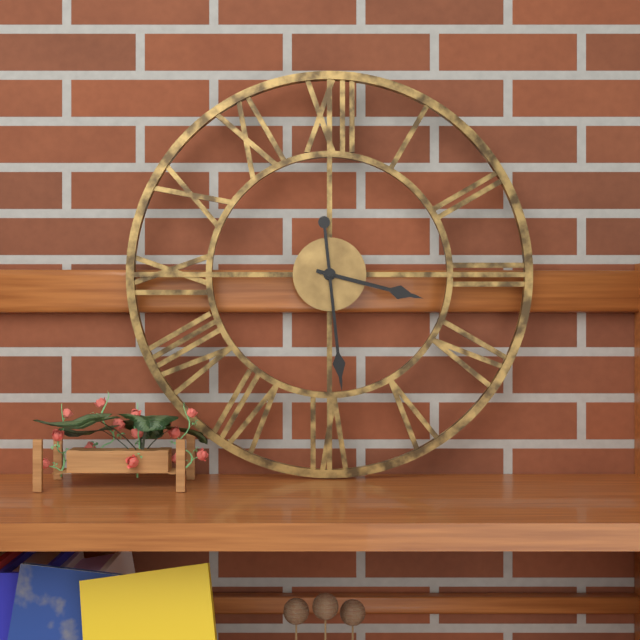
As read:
h=3 m=29
